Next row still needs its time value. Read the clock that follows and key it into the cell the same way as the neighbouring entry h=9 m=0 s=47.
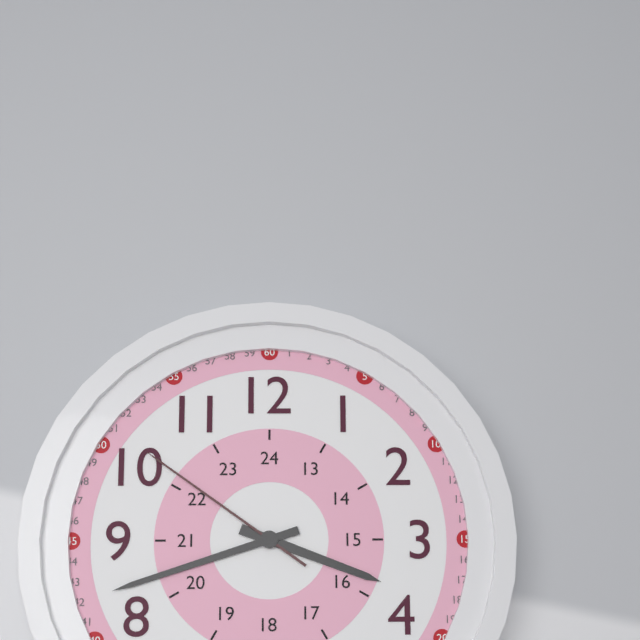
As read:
h=3 m=42 s=51
